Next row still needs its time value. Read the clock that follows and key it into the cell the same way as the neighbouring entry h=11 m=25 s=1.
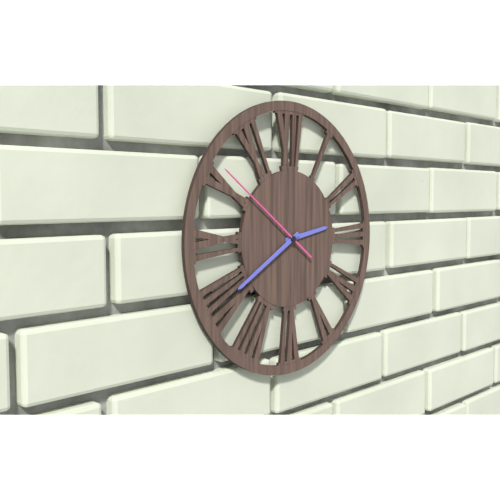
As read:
h=2 m=40 s=51
